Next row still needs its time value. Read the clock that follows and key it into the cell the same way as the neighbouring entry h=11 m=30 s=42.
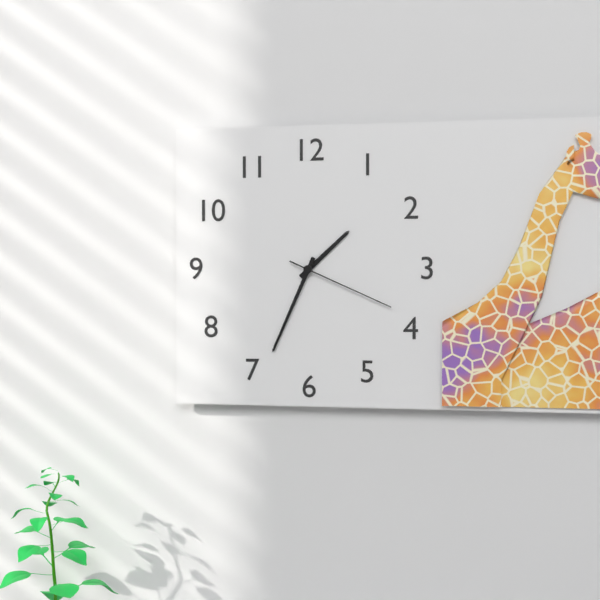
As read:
h=1 m=34 s=19
